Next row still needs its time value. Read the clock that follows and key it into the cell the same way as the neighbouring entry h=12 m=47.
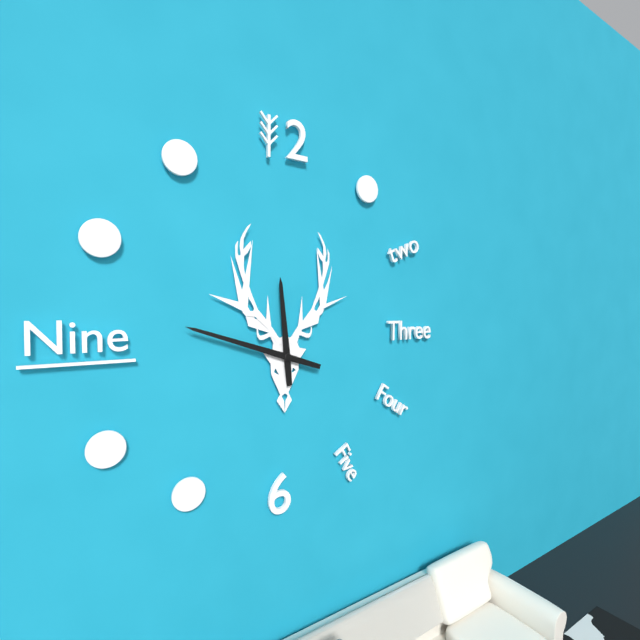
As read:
h=11 m=48
